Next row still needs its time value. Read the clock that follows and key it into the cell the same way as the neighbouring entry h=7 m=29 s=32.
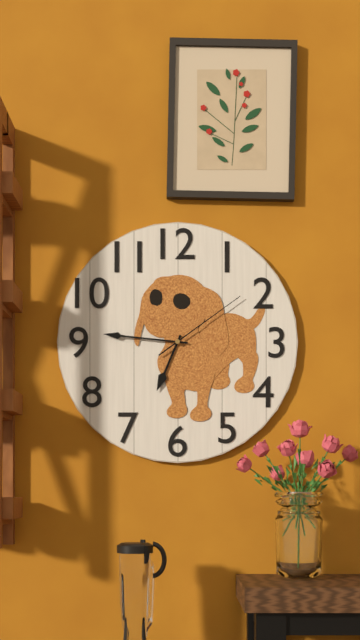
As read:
h=6 m=46 s=9
